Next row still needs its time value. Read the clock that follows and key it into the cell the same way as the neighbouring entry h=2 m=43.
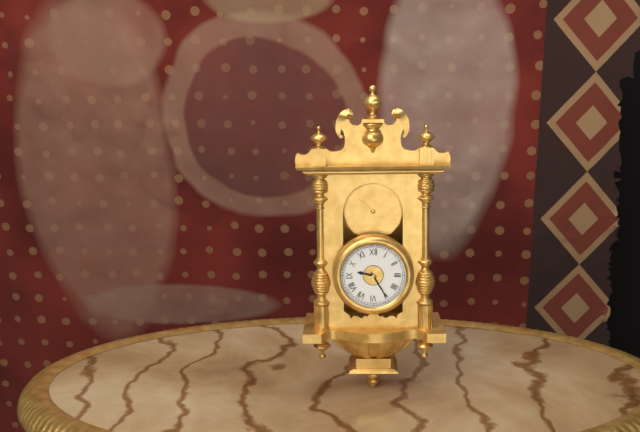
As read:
h=9 m=25
